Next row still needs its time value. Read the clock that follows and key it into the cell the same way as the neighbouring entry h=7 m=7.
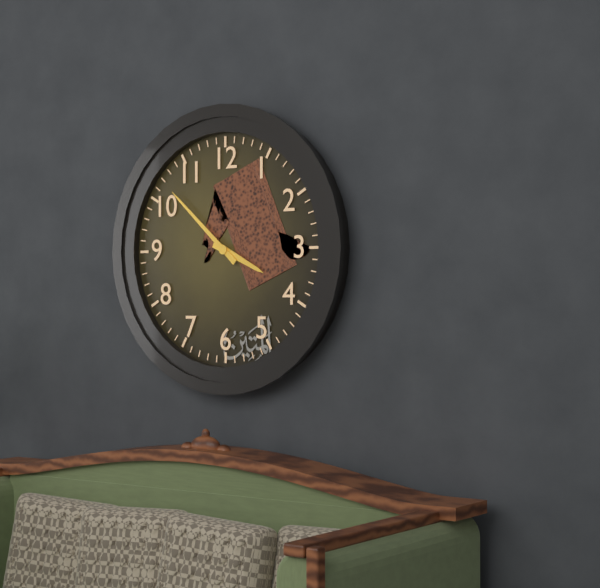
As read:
h=3 m=52
